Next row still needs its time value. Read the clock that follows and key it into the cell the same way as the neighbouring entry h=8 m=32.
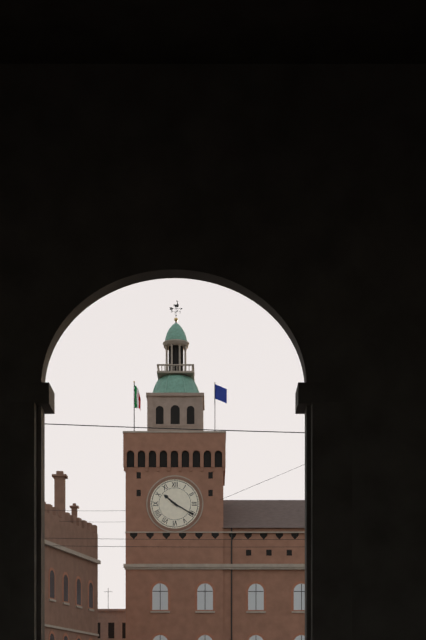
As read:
h=10 m=20
